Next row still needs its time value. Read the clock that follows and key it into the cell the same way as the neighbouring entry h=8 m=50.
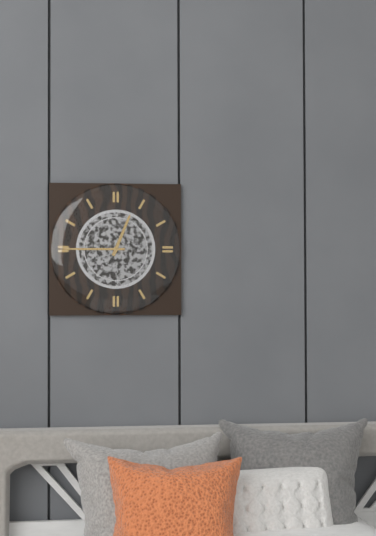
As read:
h=12 m=45
